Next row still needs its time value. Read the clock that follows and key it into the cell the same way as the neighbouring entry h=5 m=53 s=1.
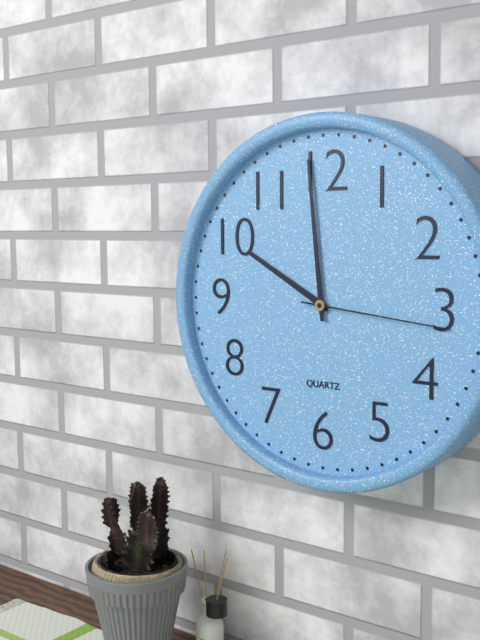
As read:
h=9 m=59 s=16
